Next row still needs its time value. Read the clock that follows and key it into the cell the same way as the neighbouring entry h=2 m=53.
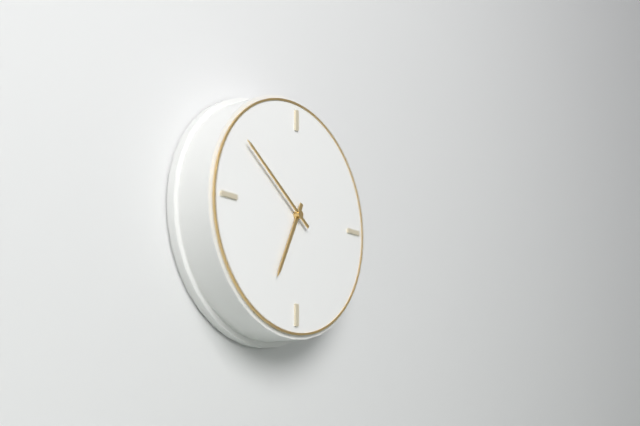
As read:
h=6 m=51
